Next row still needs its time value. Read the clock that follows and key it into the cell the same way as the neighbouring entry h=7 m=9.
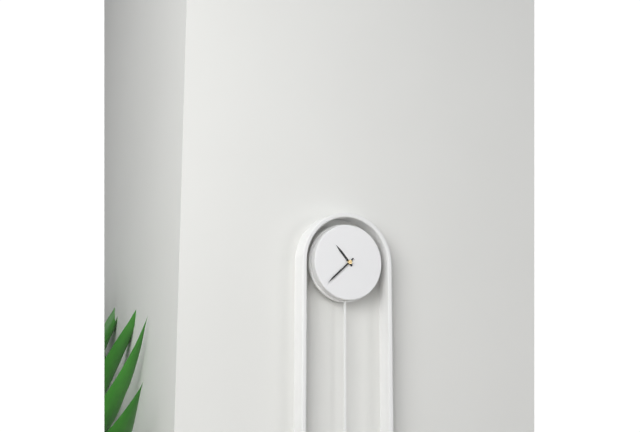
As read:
h=10 m=38
